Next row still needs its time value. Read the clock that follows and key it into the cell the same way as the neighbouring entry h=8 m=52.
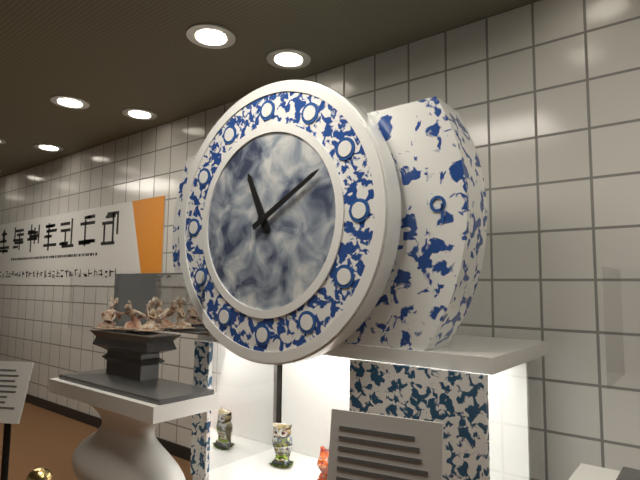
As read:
h=11 m=10
